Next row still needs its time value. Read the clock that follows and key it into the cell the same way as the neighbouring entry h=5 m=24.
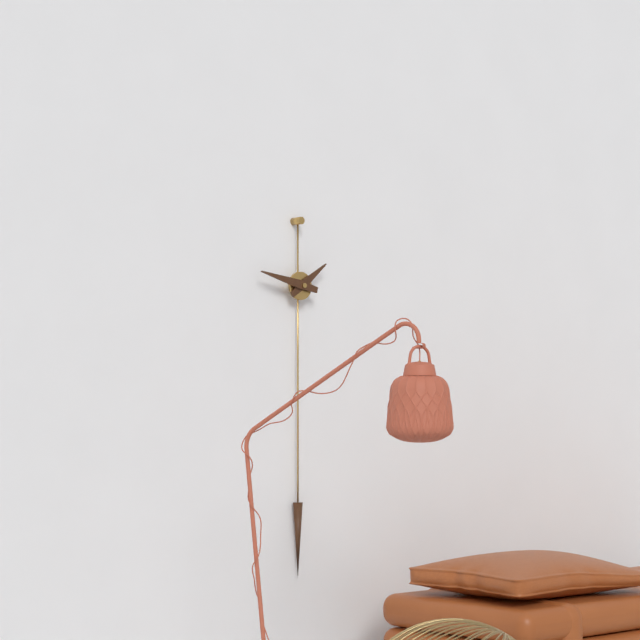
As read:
h=1 m=47
